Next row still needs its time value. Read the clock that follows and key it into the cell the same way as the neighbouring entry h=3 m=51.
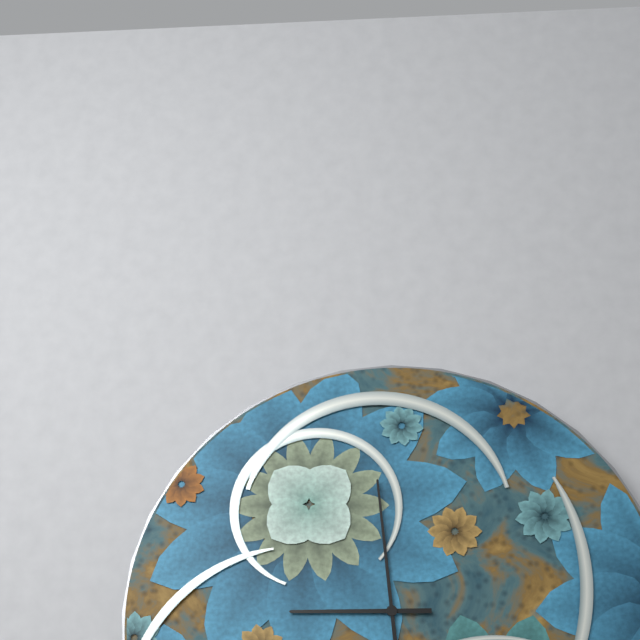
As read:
h=8 m=59
